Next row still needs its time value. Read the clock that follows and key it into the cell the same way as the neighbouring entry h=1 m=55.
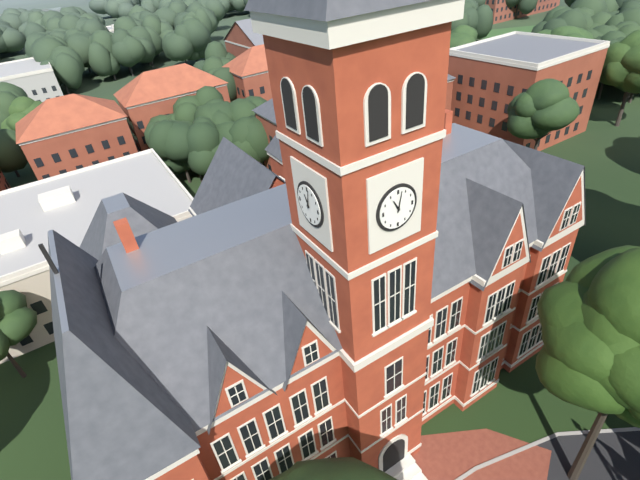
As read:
h=11 m=2
